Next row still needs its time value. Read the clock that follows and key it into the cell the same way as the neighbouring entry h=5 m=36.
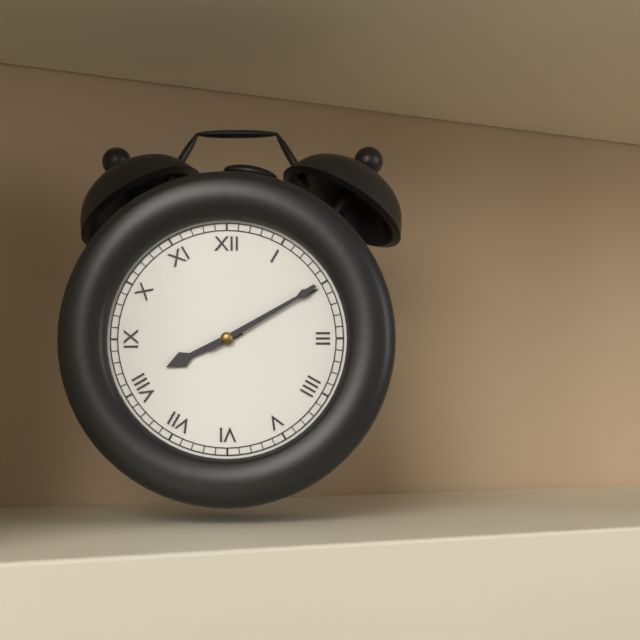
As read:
h=8 m=10
